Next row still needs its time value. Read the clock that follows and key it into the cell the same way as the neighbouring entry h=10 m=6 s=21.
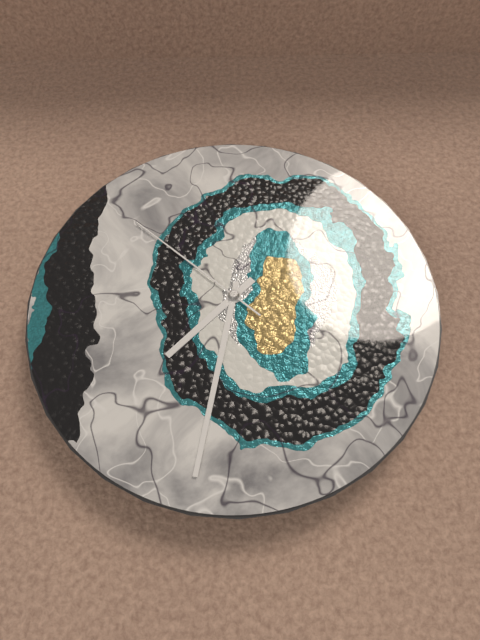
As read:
h=7 m=32 s=52
